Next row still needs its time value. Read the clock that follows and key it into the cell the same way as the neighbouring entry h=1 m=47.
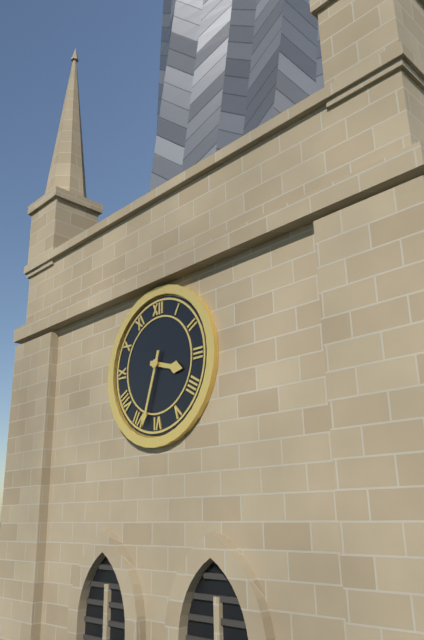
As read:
h=3 m=33
